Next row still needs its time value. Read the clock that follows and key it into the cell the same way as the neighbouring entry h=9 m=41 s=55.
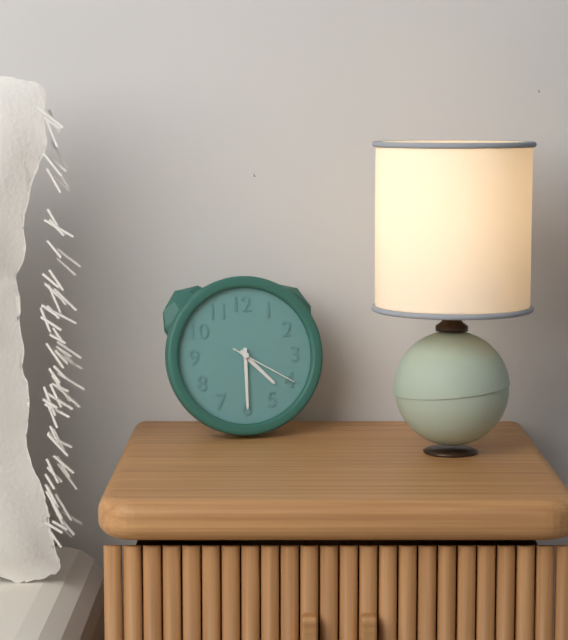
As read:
h=4 m=30 s=20
